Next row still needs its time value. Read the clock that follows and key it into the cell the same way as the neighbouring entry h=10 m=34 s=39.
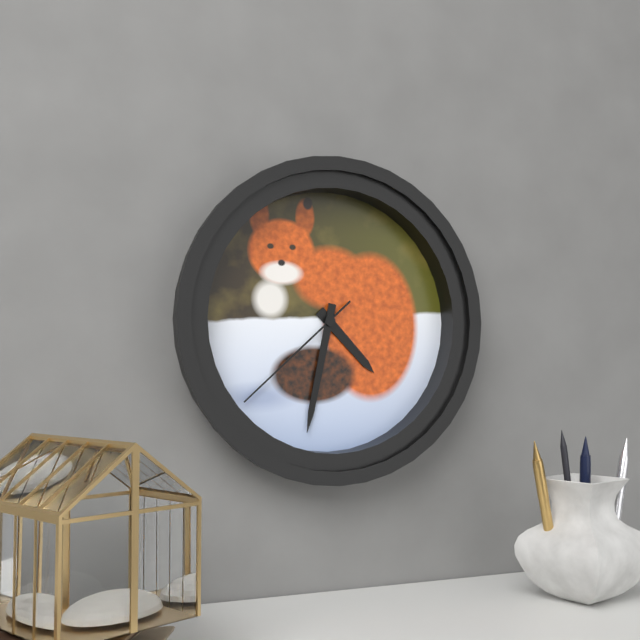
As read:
h=4 m=32 s=38
